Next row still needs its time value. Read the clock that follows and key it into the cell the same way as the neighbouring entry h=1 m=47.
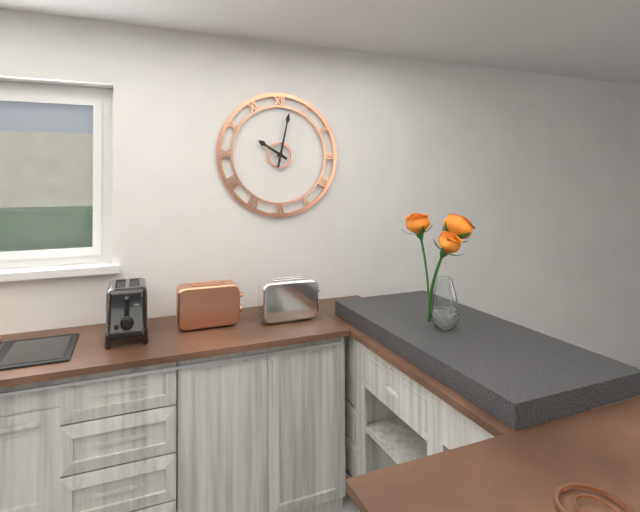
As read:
h=10 m=2
